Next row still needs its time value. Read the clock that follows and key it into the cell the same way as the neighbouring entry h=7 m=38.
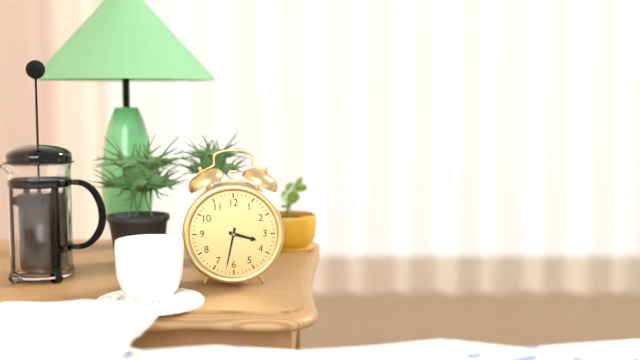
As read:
h=3 m=32
